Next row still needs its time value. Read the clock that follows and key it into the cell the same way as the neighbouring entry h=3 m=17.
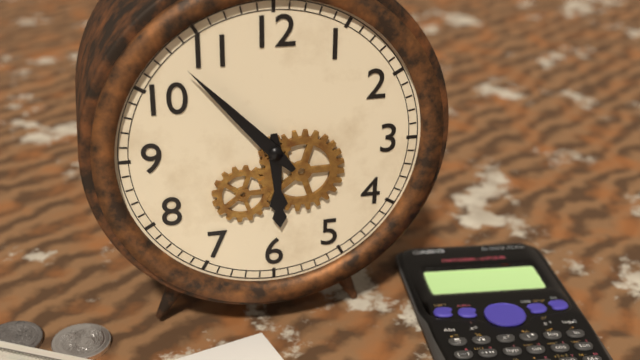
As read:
h=5 m=53
